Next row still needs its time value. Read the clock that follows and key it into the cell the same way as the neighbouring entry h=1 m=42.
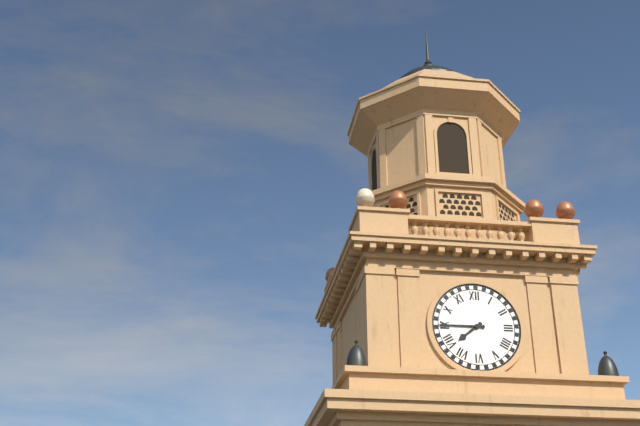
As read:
h=7 m=45
